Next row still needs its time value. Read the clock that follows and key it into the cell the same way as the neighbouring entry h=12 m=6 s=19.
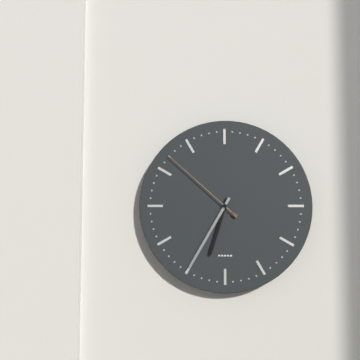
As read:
h=6 m=35 s=52
